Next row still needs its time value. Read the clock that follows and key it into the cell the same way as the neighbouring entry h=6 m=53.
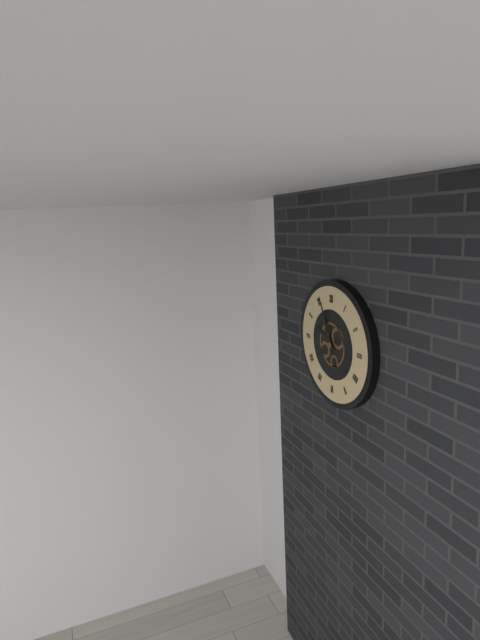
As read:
h=9 m=56
